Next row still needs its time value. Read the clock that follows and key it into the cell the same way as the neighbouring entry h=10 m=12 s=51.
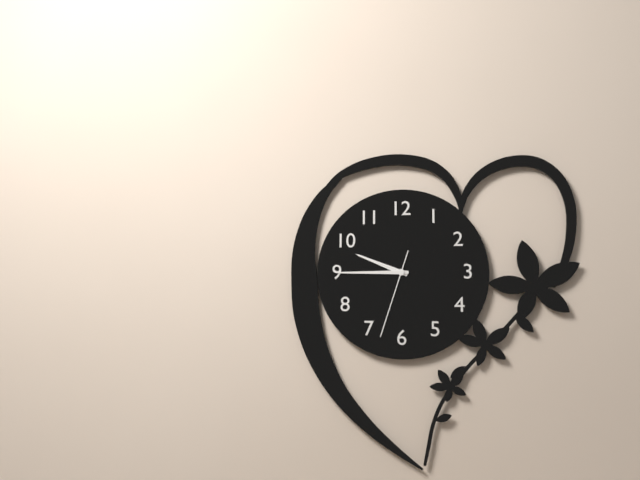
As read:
h=9 m=45 s=33
